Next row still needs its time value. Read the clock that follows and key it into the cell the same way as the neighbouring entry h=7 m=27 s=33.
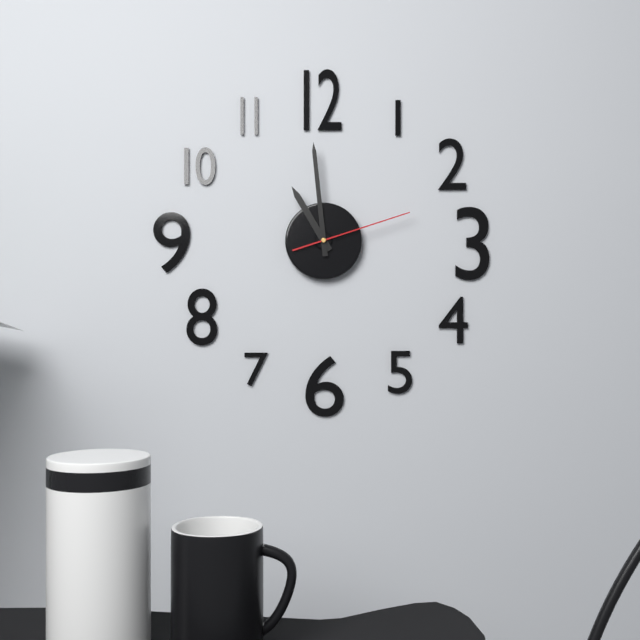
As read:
h=10 m=59 s=12
